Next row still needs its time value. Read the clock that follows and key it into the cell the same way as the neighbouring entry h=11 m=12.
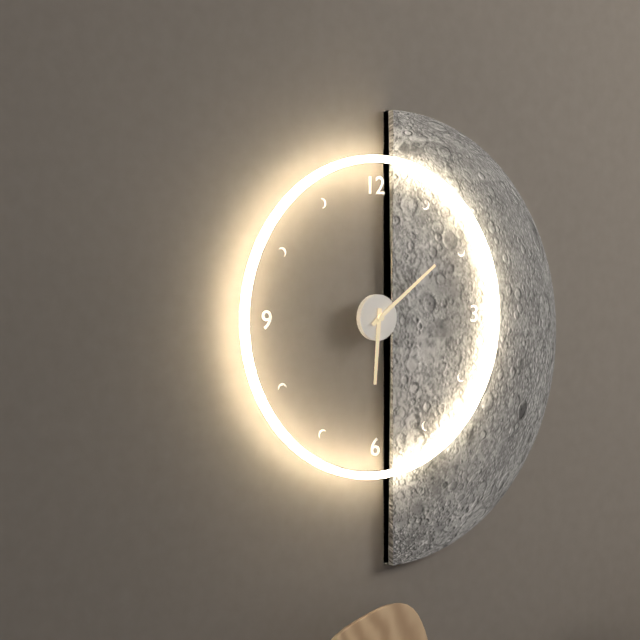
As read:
h=6 m=9
